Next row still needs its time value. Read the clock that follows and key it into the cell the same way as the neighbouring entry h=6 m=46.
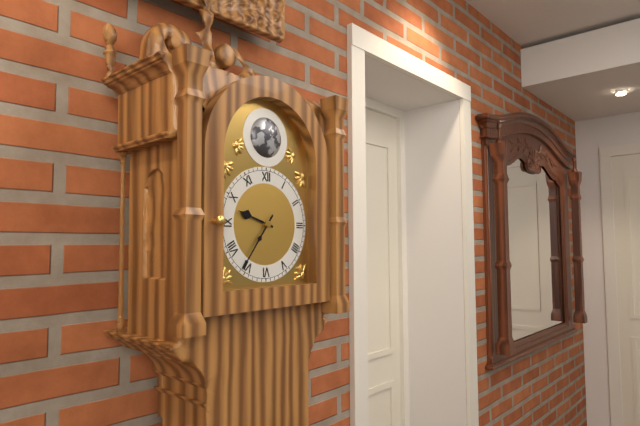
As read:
h=9 m=36
